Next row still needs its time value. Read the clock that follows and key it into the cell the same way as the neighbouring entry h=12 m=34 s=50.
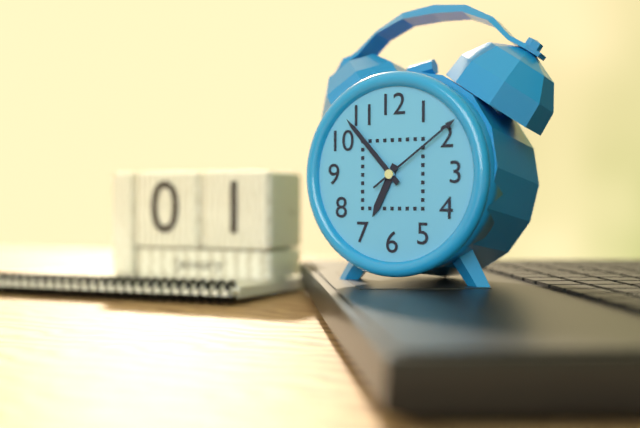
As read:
h=6 m=53 s=9
